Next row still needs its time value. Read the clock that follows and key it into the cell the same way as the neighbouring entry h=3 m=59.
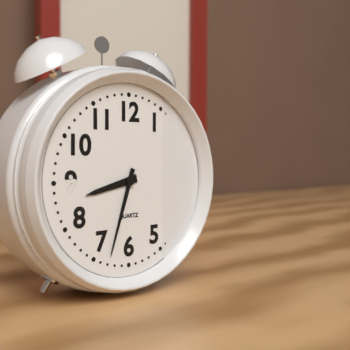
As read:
h=8 m=33
